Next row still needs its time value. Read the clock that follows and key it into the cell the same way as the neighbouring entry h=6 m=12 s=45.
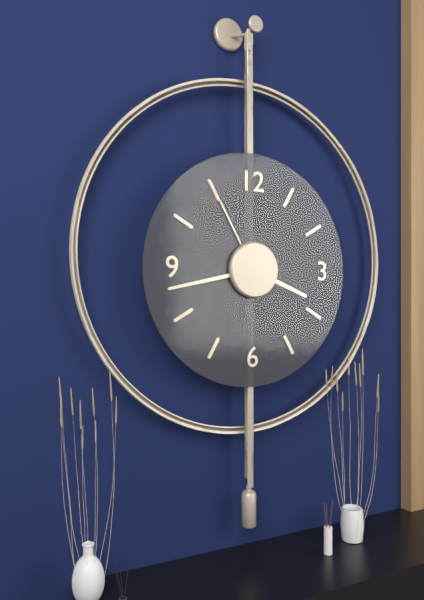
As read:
h=3 m=43 s=55
